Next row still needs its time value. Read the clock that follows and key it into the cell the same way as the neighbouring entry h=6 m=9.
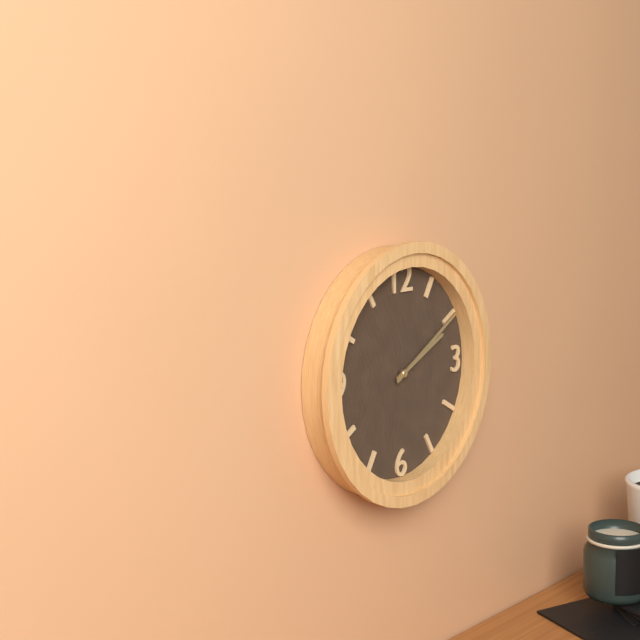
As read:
h=2 m=10
